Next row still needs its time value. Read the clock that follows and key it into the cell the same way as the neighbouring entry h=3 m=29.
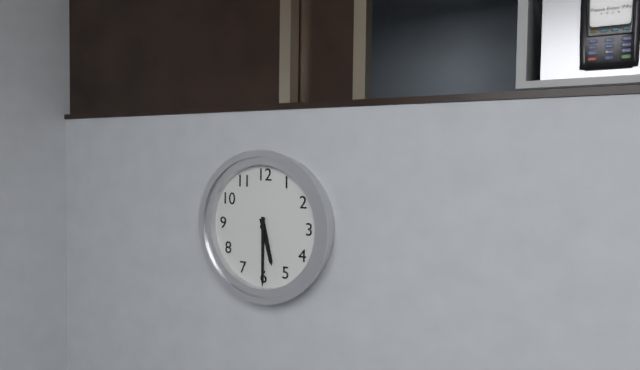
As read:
h=5 m=30
